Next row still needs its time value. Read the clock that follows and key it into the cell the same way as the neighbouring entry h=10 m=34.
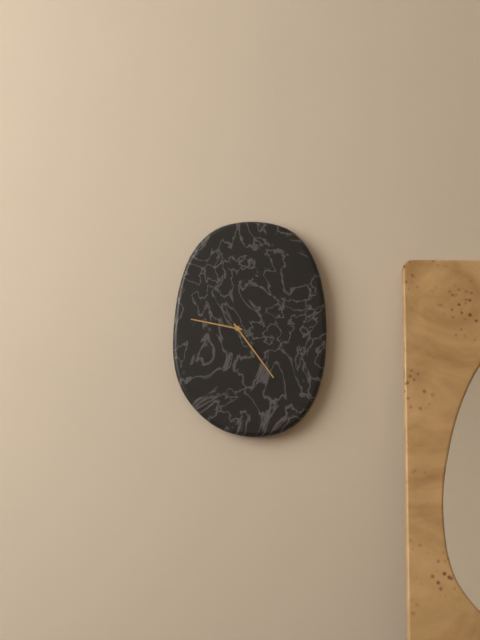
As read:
h=9 m=24
